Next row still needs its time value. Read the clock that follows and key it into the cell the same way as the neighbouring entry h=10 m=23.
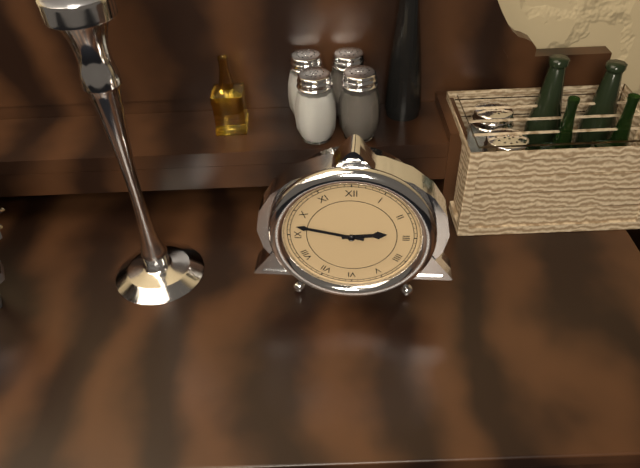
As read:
h=2 m=47
